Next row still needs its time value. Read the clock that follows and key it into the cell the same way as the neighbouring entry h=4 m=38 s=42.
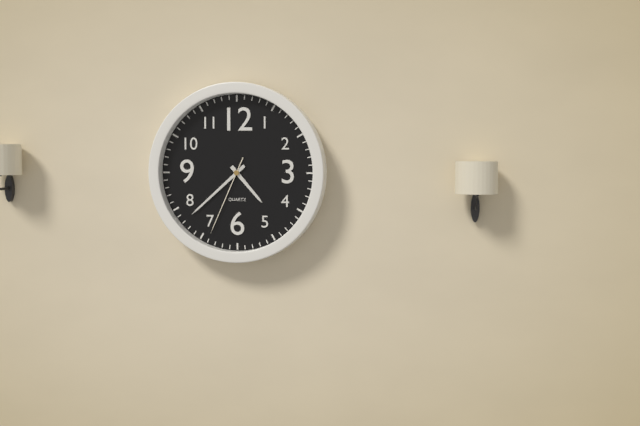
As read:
h=4 m=38 s=34
